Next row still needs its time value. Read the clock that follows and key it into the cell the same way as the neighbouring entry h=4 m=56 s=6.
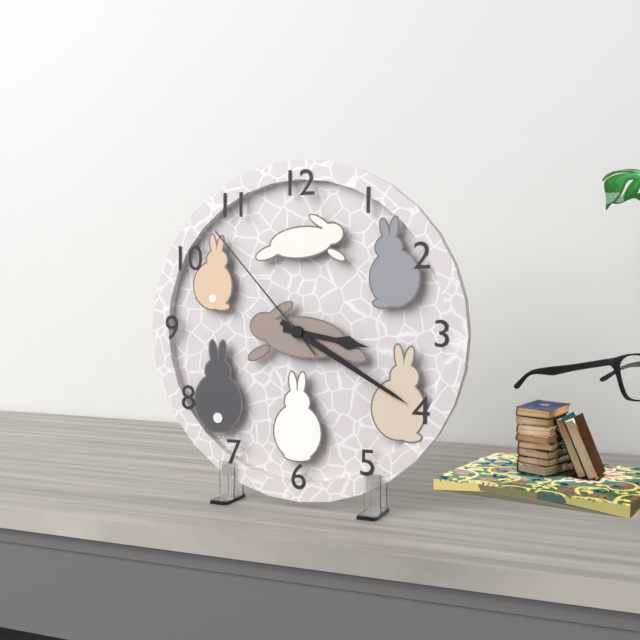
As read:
h=3 m=20 s=53
